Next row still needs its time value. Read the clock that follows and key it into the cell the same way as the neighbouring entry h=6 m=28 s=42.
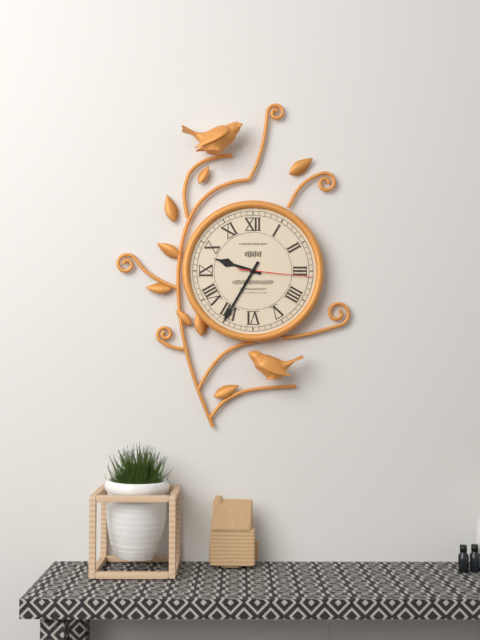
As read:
h=9 m=35 s=16
